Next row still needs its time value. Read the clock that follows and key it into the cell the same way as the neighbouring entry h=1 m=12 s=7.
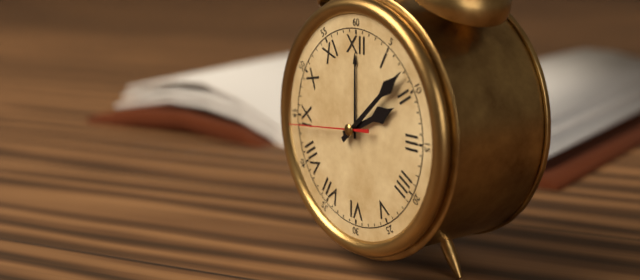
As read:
h=2 m=8 s=44
